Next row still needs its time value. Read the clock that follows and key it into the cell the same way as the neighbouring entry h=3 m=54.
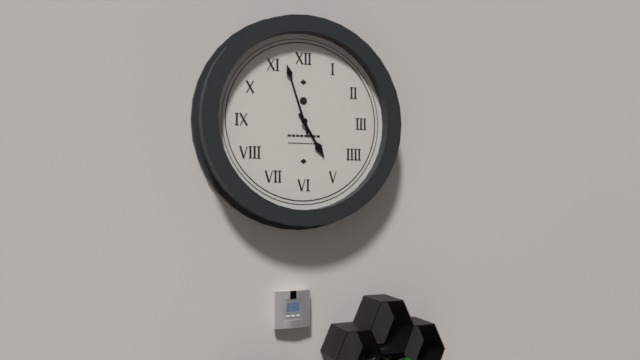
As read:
h=4 m=57
